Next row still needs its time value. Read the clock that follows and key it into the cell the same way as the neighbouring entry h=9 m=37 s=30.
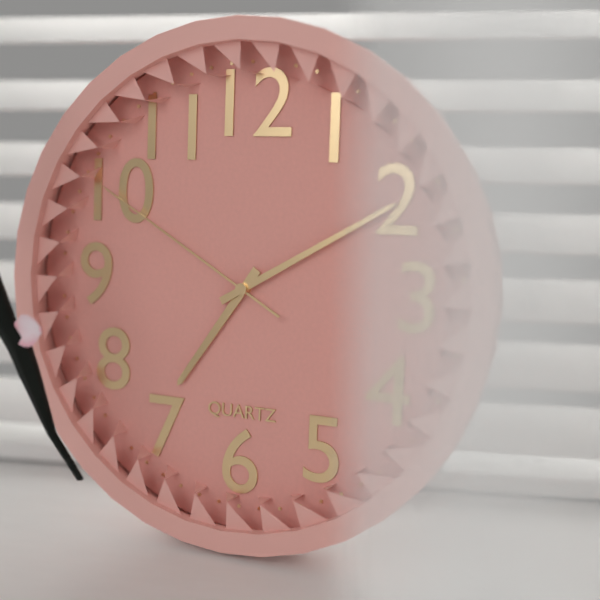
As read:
h=7 m=10 s=50
